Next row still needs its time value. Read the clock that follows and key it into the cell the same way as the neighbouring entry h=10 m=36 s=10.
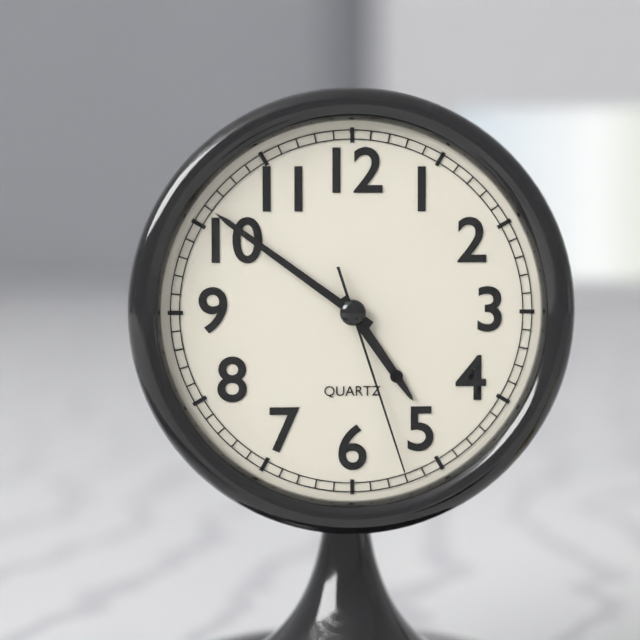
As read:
h=4 m=51 s=27
